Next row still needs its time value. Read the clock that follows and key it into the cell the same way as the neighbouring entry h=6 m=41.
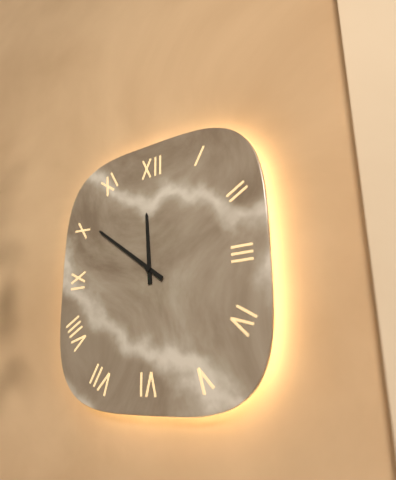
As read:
h=11 m=51
